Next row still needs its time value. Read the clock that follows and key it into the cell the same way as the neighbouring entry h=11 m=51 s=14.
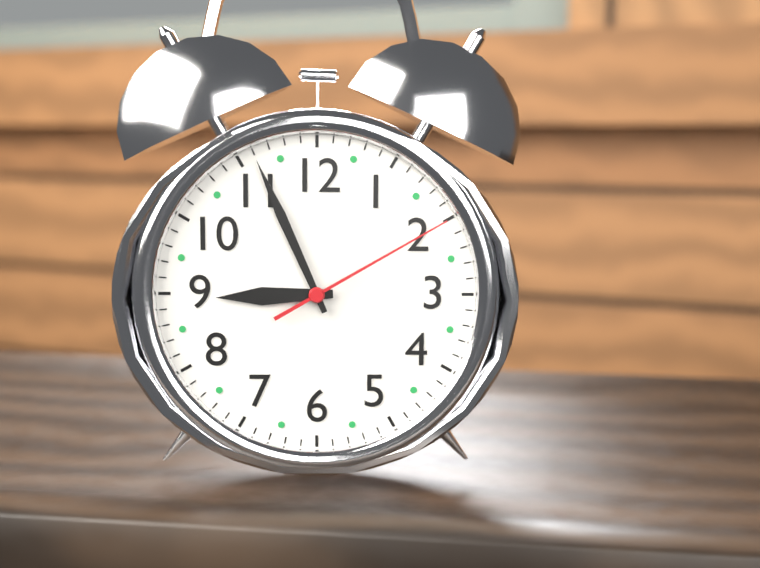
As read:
h=8 m=56 s=10
